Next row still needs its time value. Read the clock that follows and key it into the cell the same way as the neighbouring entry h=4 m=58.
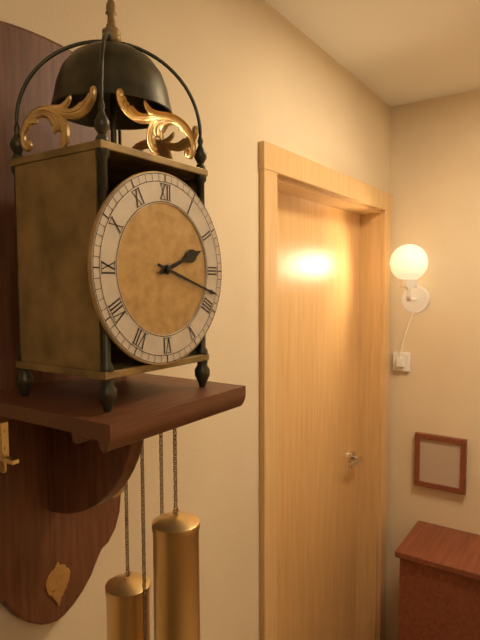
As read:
h=2 m=18
